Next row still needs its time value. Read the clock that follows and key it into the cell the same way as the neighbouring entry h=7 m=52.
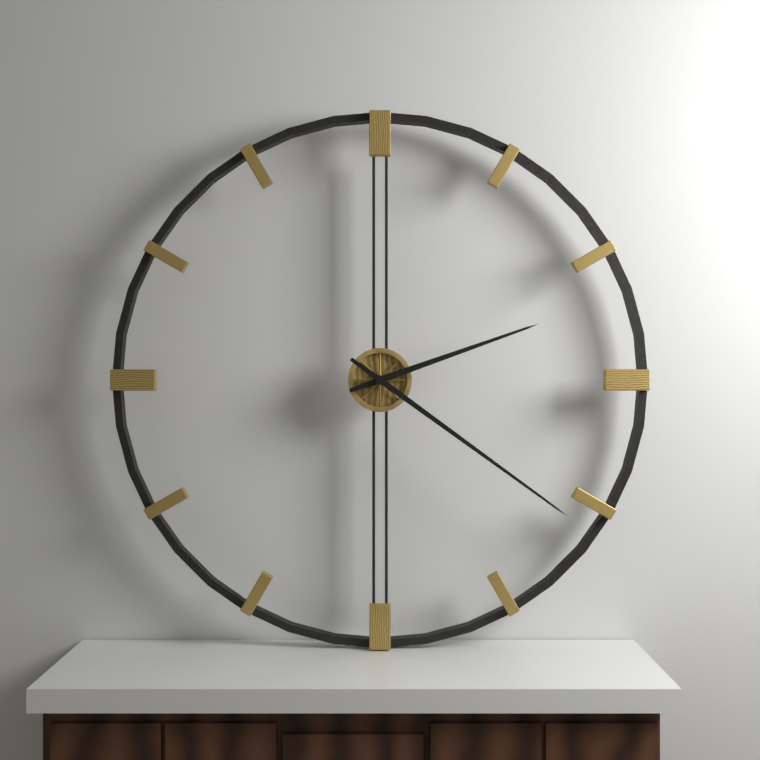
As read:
h=2 m=21
